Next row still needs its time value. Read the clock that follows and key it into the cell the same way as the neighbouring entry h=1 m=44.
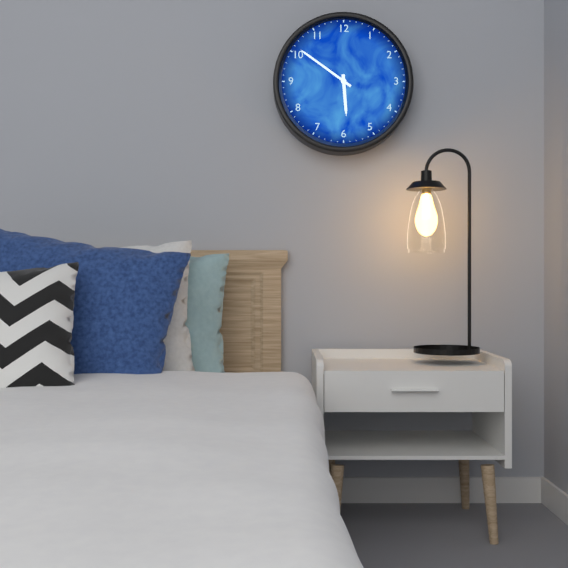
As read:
h=5 m=51
